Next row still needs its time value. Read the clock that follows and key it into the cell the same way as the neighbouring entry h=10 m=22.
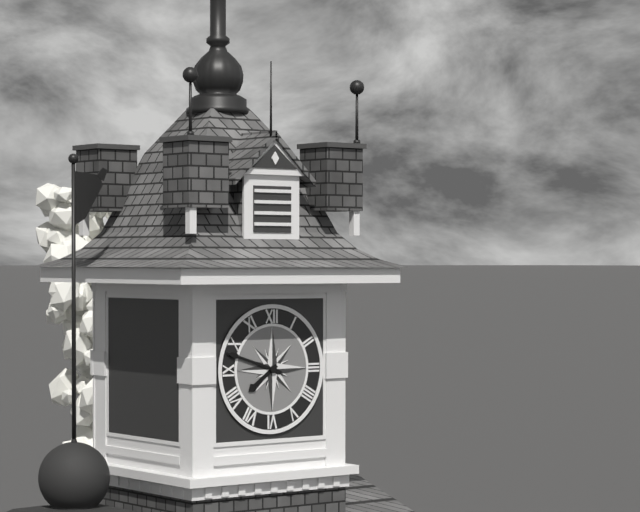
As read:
h=7 m=48
